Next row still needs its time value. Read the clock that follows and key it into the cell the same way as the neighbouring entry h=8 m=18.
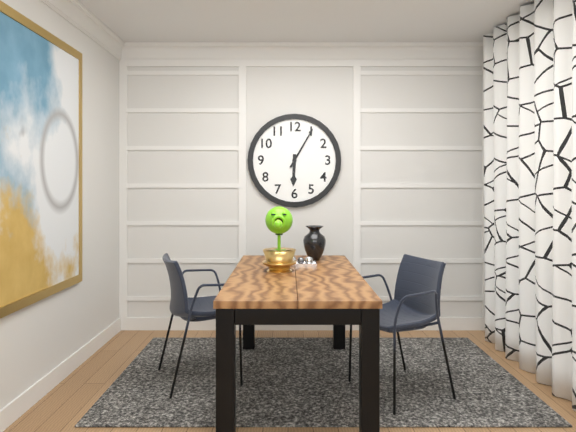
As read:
h=6 m=5
